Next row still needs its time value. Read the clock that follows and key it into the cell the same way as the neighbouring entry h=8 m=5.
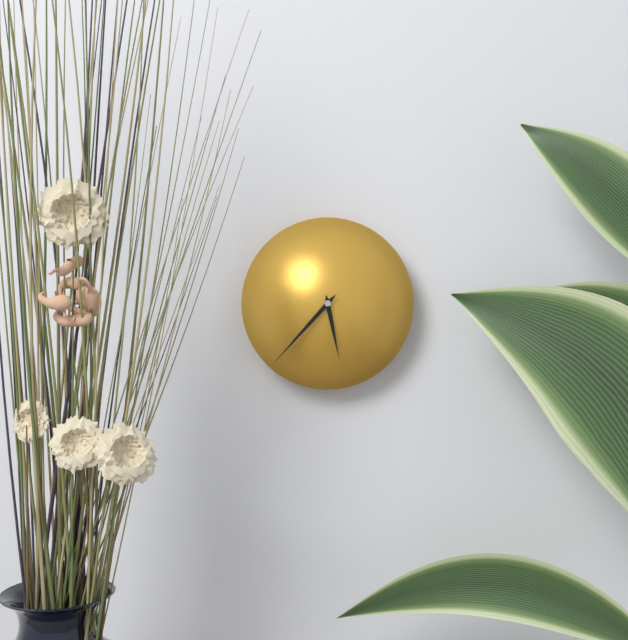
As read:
h=5 m=37
